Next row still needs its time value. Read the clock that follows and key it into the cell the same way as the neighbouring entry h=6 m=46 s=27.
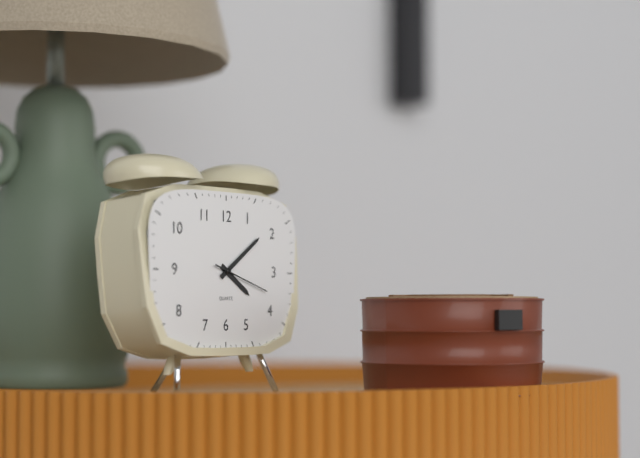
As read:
h=4 m=9 s=18
